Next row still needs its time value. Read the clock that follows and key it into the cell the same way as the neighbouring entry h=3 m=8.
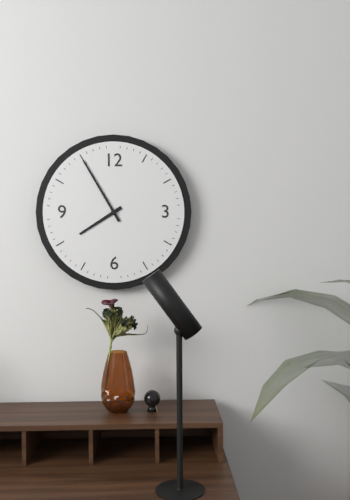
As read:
h=7 m=55
